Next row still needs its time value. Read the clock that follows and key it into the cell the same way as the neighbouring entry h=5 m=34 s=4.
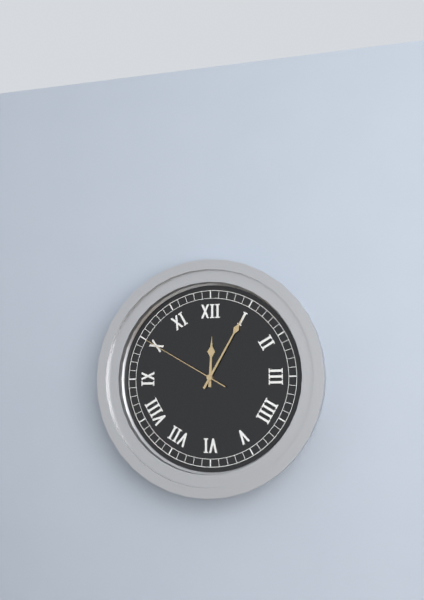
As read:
h=12 m=5 s=50
